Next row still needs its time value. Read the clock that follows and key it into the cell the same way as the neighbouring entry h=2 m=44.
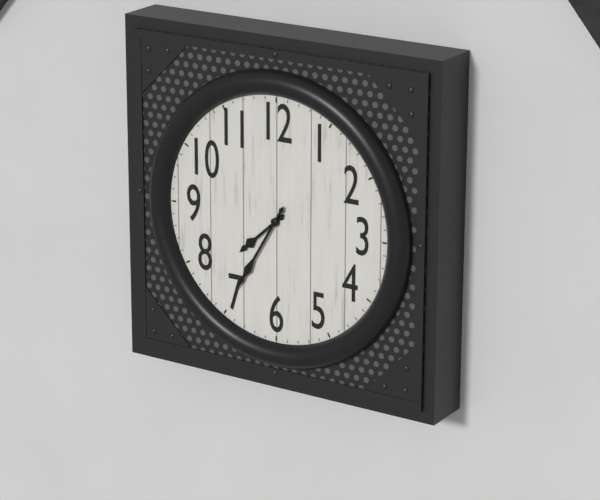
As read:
h=7 m=35
